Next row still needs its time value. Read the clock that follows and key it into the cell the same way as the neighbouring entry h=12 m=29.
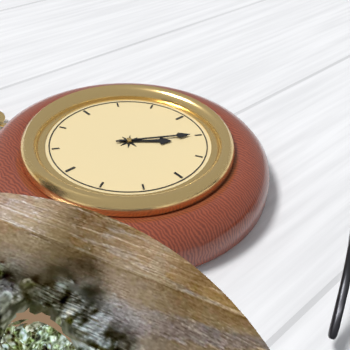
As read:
h=4 m=20
